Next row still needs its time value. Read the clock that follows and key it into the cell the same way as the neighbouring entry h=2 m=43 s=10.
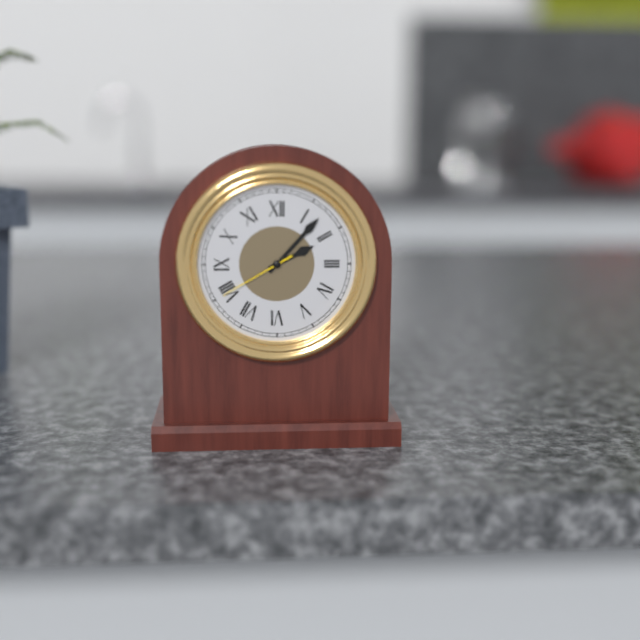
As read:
h=2 m=7 s=40
